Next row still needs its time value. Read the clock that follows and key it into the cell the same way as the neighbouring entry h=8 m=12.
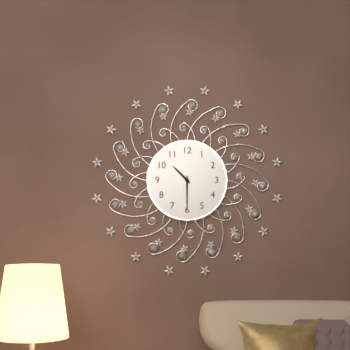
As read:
h=10 m=30
